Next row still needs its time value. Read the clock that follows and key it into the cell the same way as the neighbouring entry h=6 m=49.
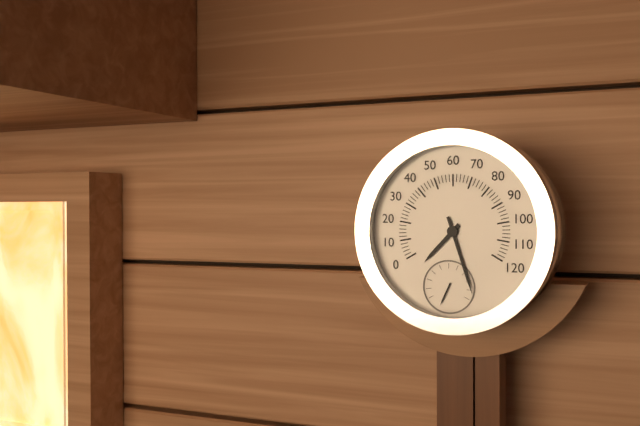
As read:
h=7 m=27
